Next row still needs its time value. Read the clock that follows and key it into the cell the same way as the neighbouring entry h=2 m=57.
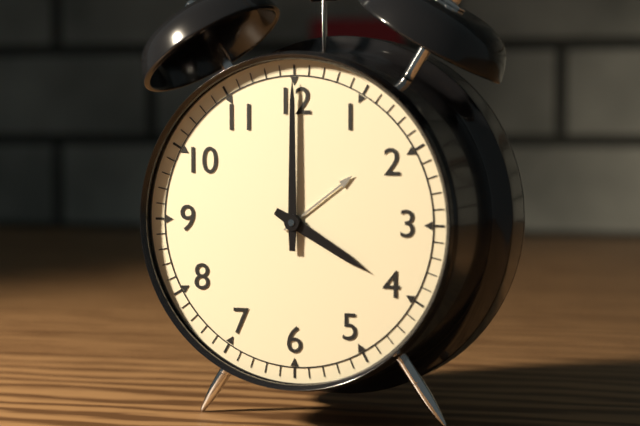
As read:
h=4 m=0
